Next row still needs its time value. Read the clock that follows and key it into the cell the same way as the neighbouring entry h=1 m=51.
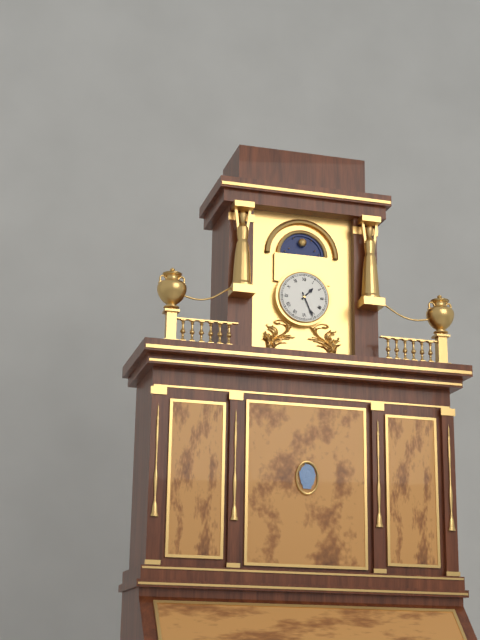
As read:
h=1 m=26
